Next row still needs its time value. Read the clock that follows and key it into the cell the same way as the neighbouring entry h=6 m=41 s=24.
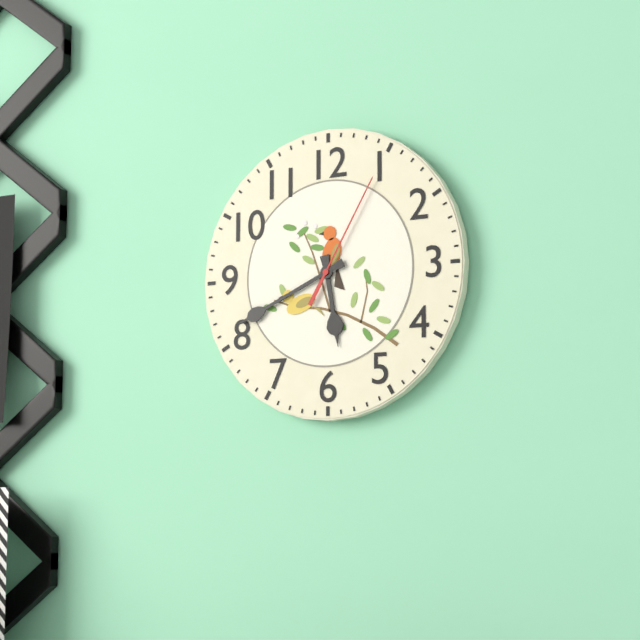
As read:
h=5 m=41 s=5
